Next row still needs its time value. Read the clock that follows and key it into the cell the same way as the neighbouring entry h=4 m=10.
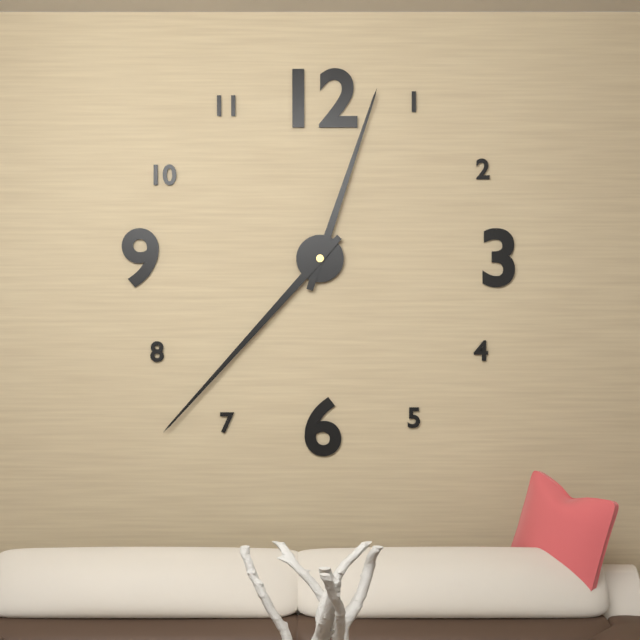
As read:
h=12 m=37
